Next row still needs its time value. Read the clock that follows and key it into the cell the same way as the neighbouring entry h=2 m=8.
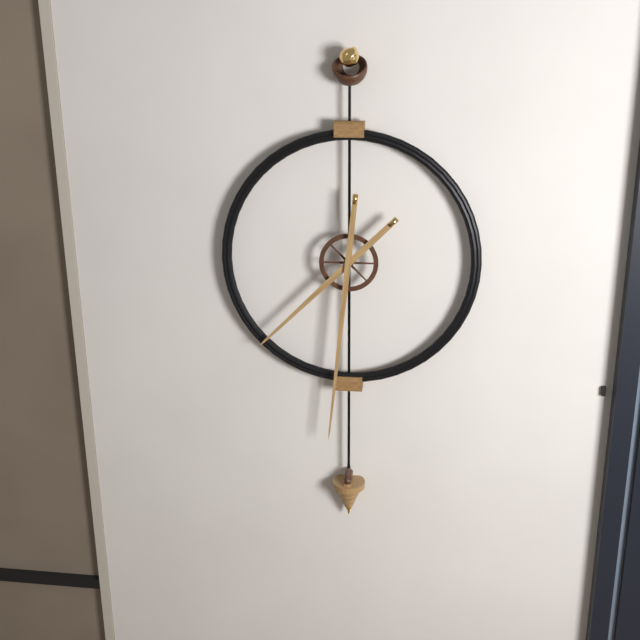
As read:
h=7 m=31
